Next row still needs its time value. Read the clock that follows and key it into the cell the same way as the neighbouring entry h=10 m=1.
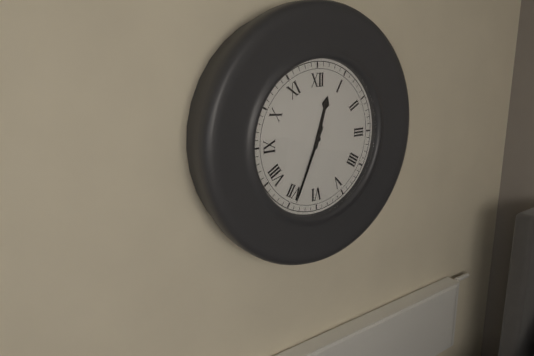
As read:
h=12 m=34
